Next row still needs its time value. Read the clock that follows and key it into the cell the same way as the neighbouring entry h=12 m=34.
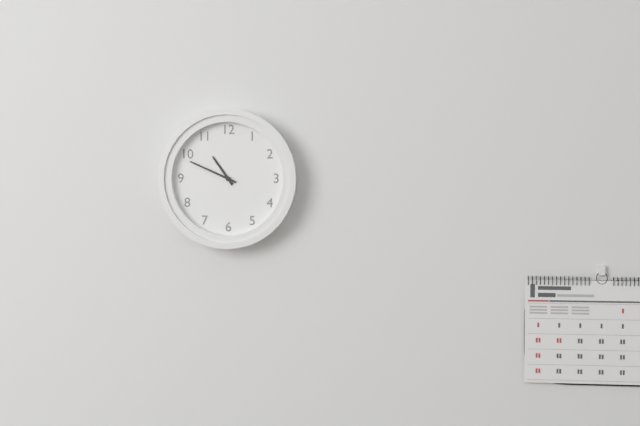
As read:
h=10 m=49
